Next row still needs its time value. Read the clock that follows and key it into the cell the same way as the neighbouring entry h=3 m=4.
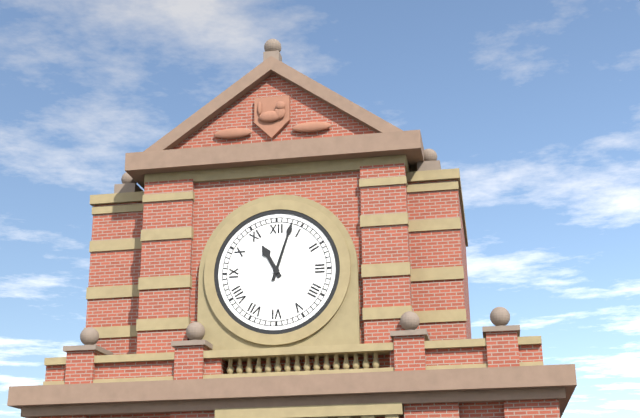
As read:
h=11 m=3
